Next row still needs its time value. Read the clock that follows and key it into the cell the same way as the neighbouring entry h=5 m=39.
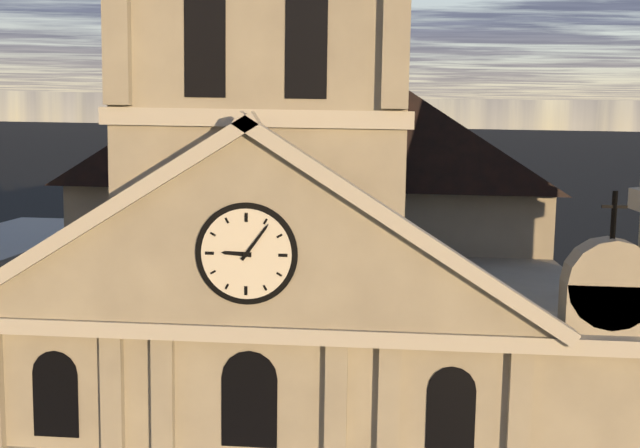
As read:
h=9 m=6
